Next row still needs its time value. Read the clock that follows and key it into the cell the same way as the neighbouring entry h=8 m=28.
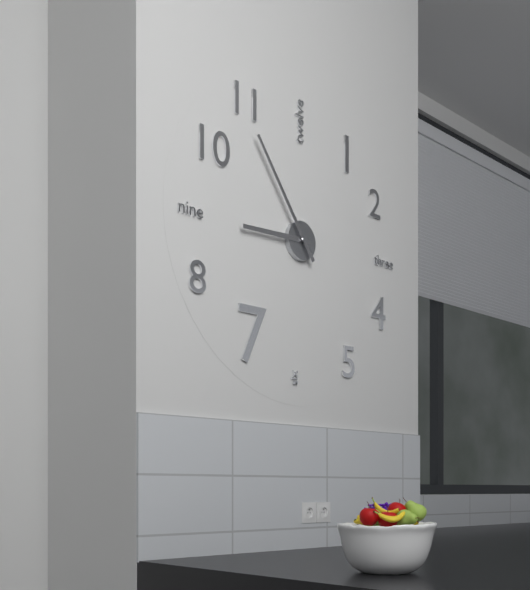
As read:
h=8 m=54
